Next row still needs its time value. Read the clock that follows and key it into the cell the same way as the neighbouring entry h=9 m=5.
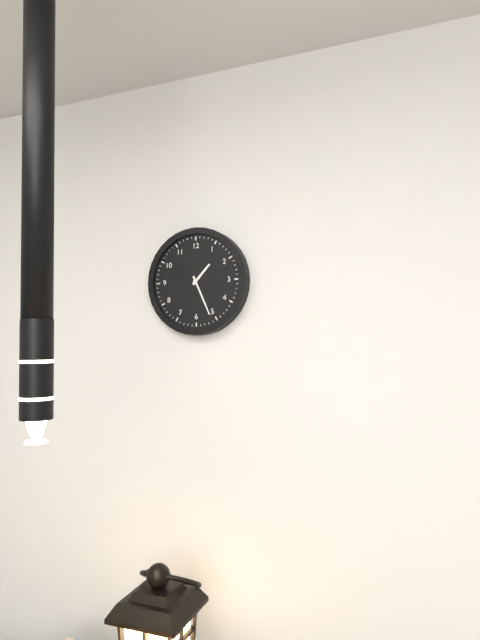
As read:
h=1 m=26
